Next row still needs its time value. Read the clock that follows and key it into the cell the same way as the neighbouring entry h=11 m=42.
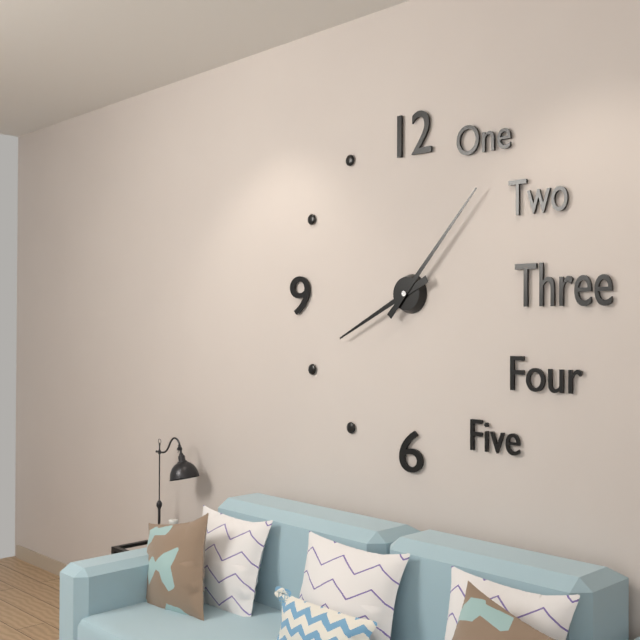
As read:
h=8 m=7
